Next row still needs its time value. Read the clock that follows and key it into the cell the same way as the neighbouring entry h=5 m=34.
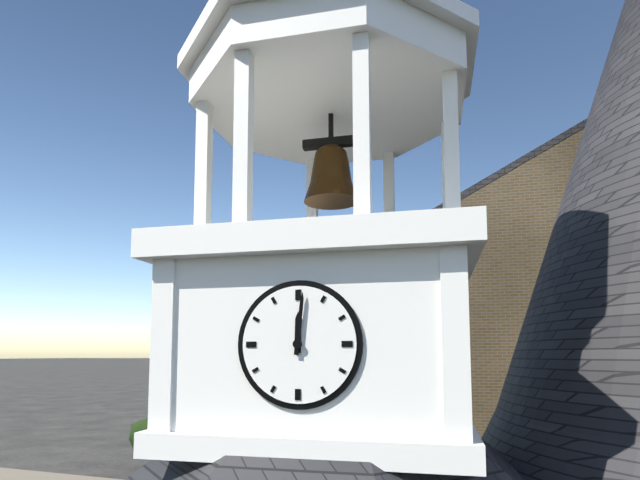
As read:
h=12 m=1
